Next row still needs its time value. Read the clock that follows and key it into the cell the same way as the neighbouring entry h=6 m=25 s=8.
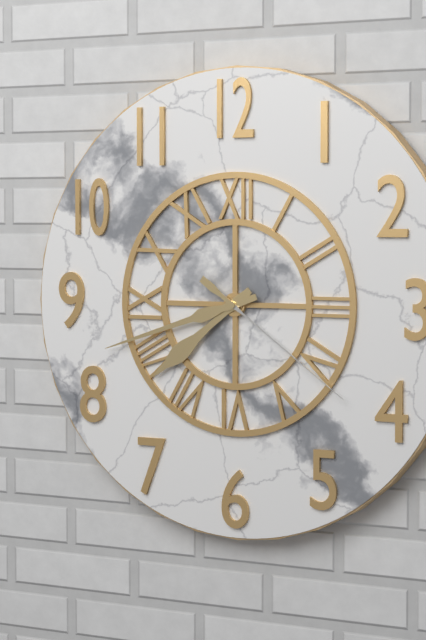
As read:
h=7 m=42 s=21
